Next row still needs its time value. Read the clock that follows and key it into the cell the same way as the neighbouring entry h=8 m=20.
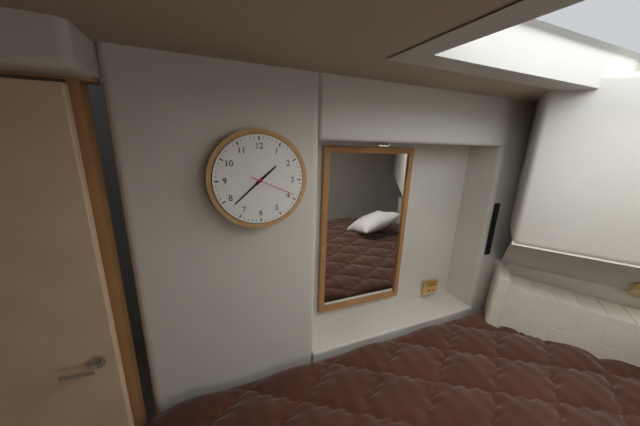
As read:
h=1 m=38
